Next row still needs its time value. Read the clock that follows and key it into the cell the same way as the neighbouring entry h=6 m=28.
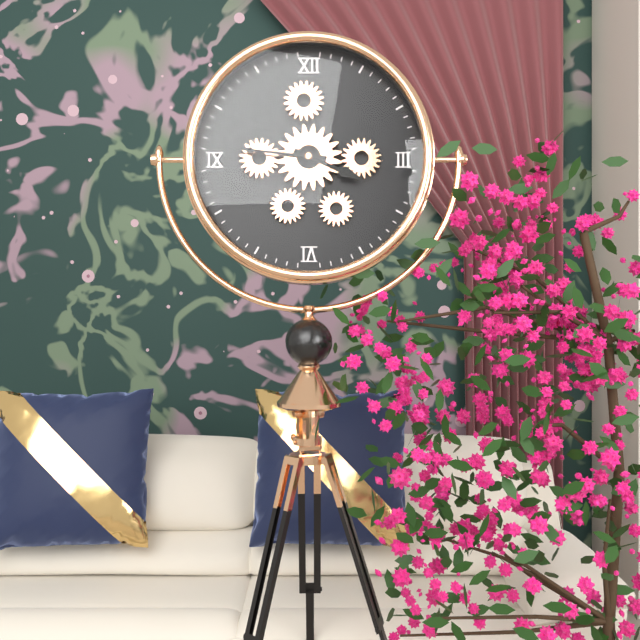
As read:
h=3 m=46
